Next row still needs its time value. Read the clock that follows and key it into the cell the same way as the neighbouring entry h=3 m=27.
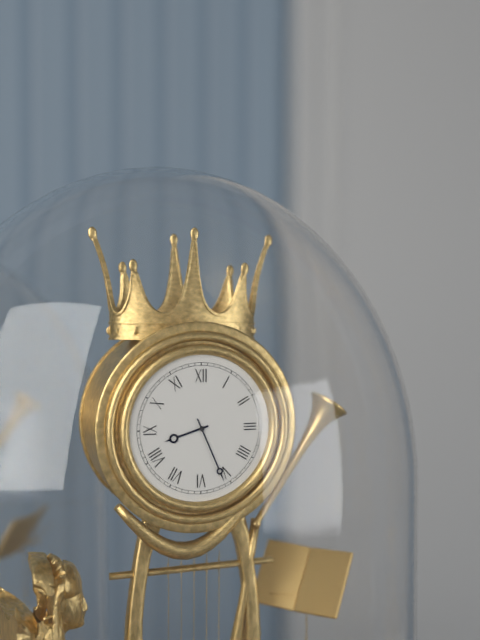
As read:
h=8 m=26
